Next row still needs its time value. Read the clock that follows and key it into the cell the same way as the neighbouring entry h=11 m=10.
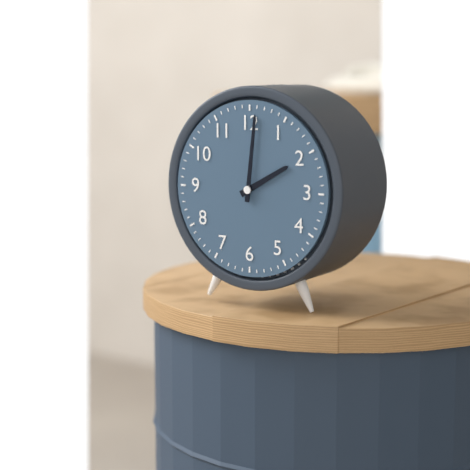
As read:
h=2 m=1
